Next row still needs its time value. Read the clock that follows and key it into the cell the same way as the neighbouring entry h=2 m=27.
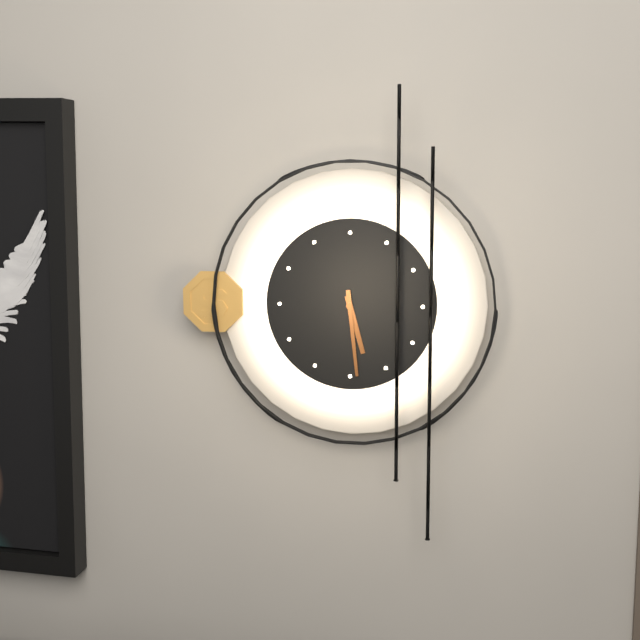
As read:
h=5 m=29
